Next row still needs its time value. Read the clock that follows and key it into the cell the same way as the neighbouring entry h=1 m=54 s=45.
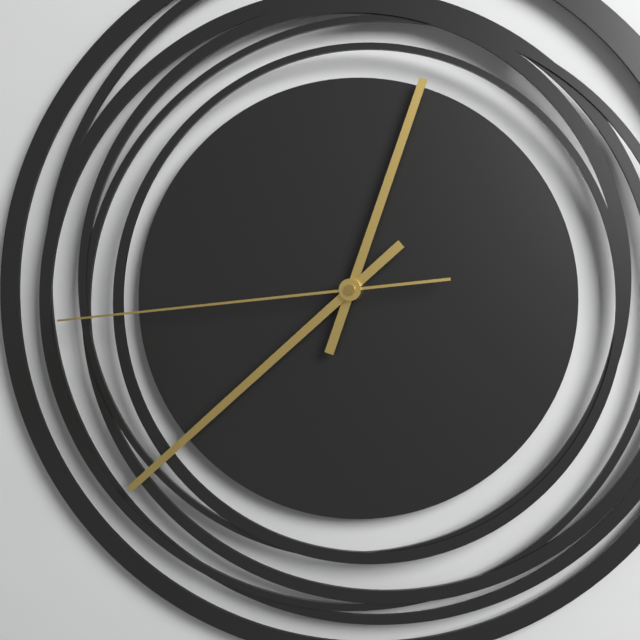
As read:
h=12 m=38 s=44
